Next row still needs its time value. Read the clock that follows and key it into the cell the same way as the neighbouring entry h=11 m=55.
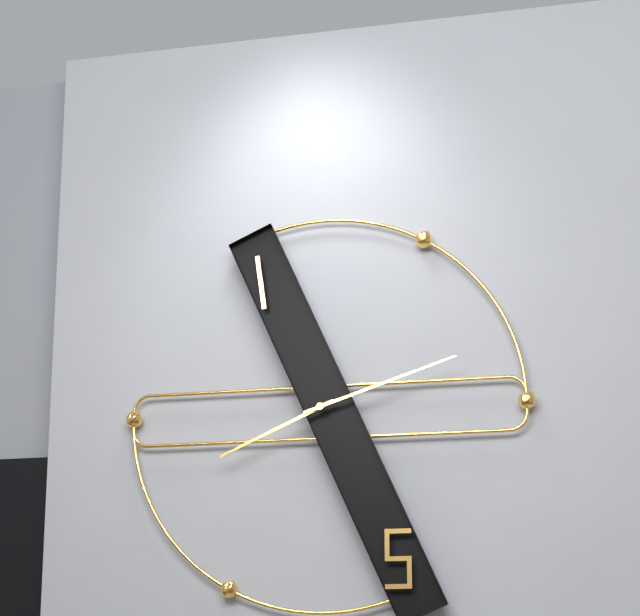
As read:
h=8 m=12
